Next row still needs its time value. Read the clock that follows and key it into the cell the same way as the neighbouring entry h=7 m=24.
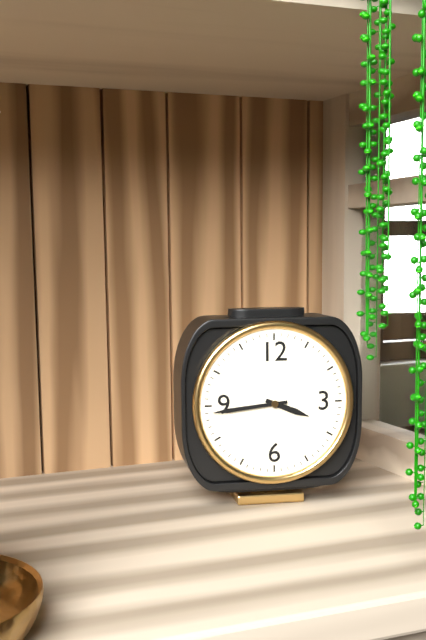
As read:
h=3 m=44
